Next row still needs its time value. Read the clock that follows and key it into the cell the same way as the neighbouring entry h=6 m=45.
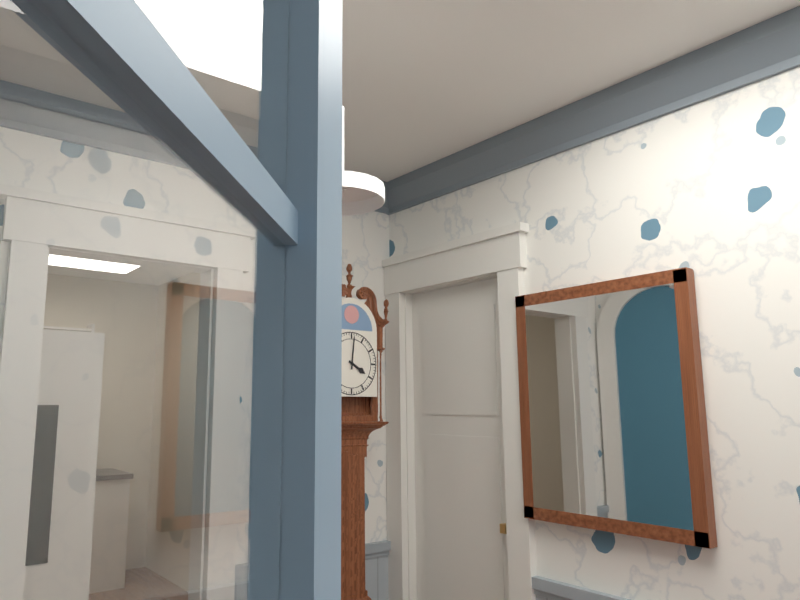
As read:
h=4 m=1
